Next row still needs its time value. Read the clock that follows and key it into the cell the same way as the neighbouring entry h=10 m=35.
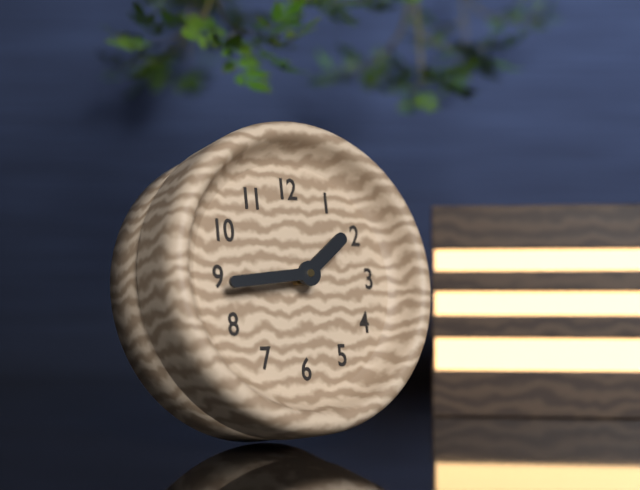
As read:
h=1 m=44
